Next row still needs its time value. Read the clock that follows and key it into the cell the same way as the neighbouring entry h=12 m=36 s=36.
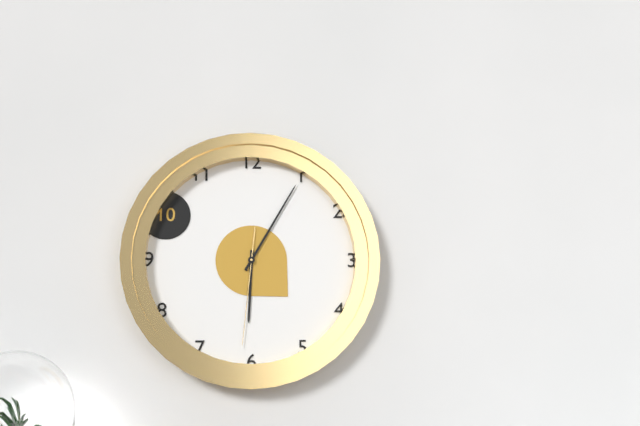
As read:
h=6 m=5 s=31
